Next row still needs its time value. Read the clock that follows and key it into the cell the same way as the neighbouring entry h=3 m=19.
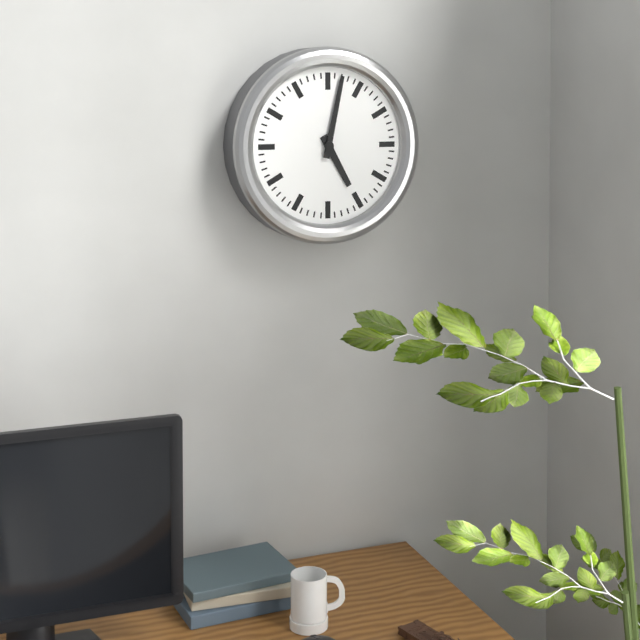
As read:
h=5 m=2
